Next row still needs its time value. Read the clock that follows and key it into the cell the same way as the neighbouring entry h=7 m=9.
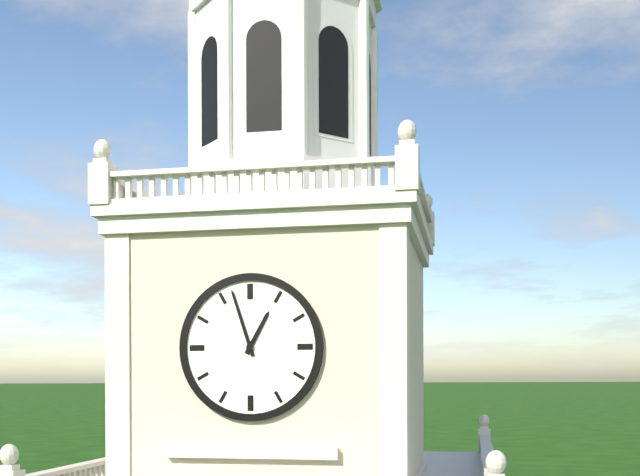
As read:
h=12 m=57
